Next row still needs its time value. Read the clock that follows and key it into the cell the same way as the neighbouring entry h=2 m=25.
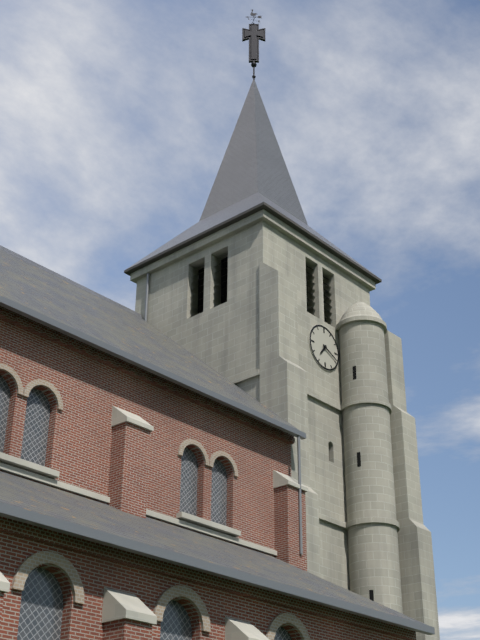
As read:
h=7 m=19
